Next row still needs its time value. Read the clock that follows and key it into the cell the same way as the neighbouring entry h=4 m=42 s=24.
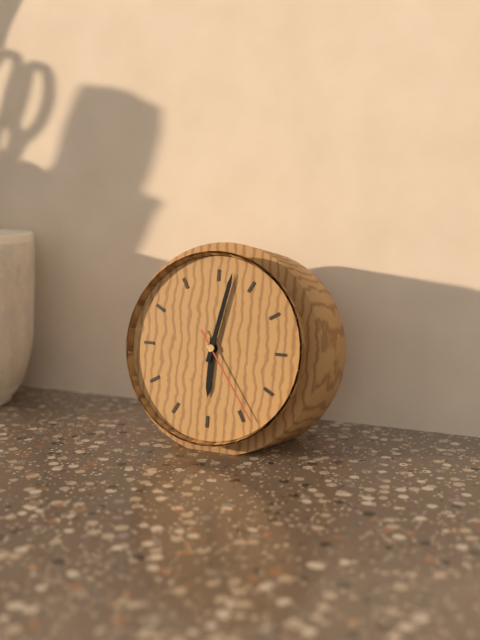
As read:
h=6 m=2 s=24
